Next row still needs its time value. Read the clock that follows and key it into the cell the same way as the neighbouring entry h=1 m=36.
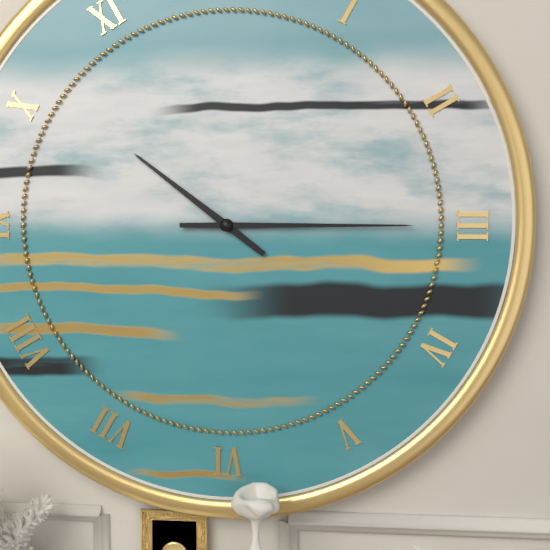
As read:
h=10 m=15
